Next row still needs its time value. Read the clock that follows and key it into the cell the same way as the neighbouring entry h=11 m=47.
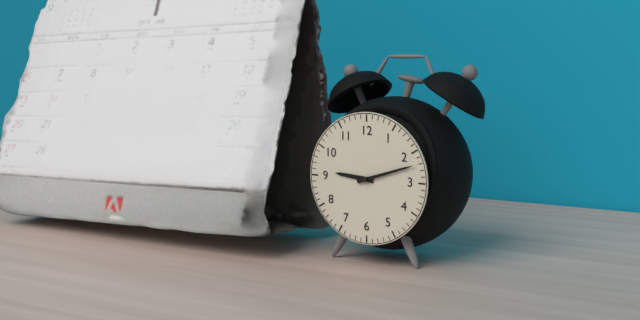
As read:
h=9 m=12
